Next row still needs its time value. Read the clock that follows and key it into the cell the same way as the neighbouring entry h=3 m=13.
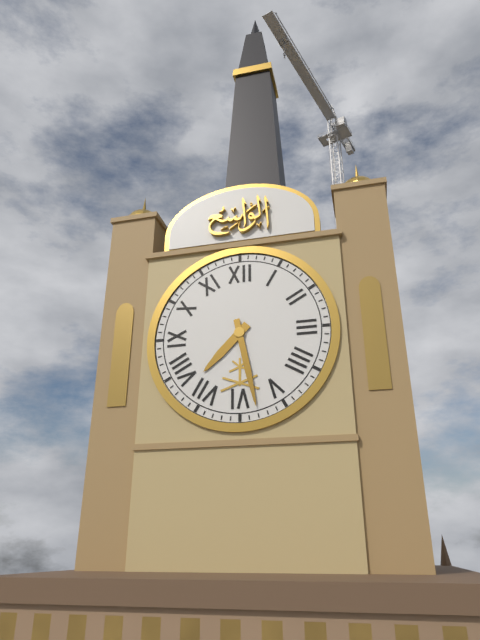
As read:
h=7 m=28
